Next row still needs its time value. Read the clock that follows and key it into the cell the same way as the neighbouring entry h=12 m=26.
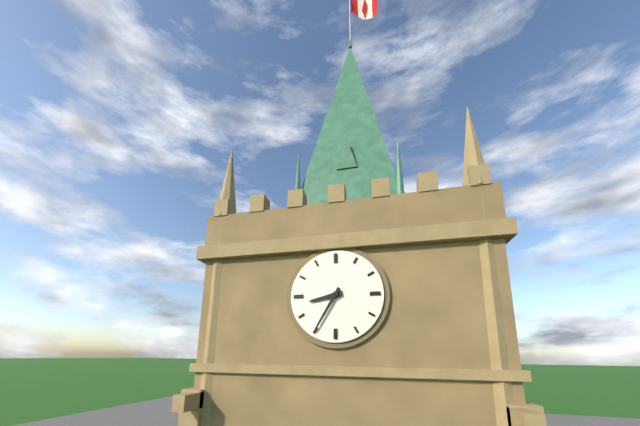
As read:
h=8 m=35
